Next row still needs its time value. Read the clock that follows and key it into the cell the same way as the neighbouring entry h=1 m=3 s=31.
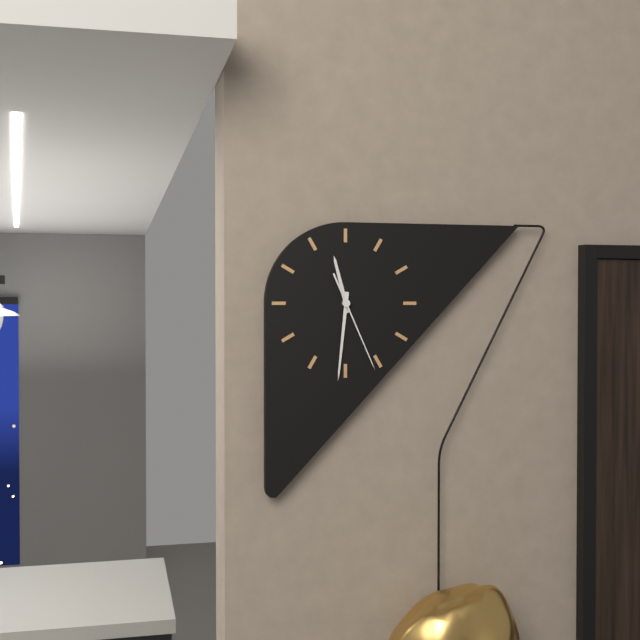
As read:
h=11 m=31 s=26
